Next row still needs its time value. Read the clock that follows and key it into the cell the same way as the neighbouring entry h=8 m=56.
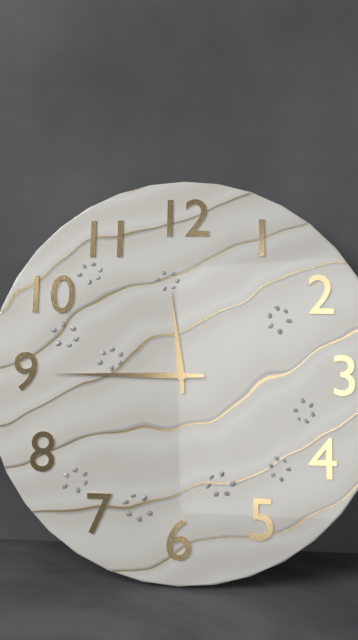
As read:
h=11 m=45
